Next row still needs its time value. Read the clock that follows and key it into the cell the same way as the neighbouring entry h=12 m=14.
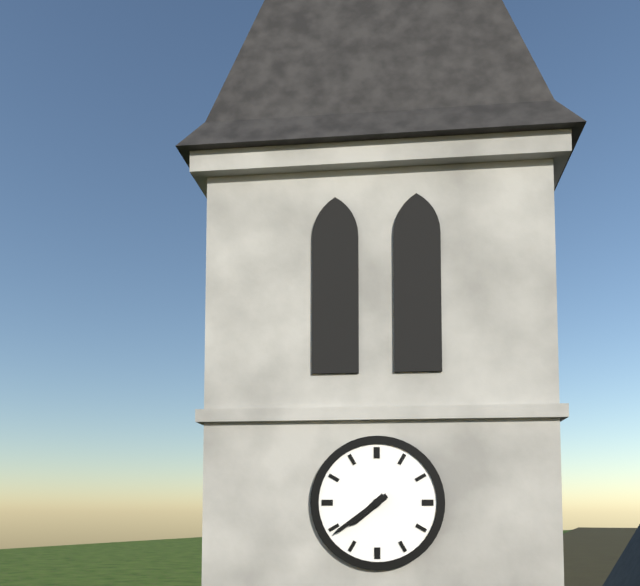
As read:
h=7 m=39
